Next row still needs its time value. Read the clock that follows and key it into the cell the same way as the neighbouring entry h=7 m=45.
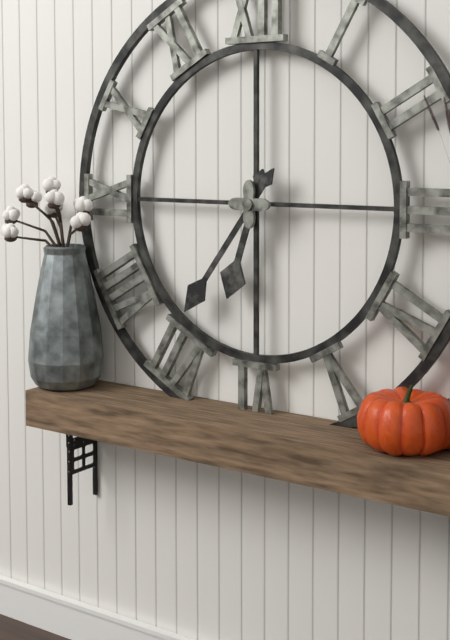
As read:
h=6 m=36
